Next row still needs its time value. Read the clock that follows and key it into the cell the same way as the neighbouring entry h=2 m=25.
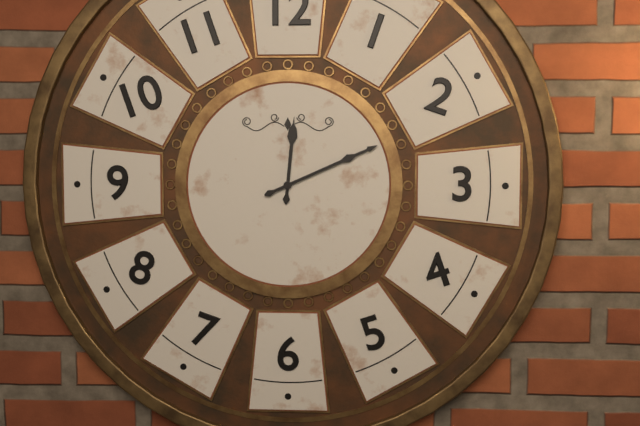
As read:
h=12 m=11
